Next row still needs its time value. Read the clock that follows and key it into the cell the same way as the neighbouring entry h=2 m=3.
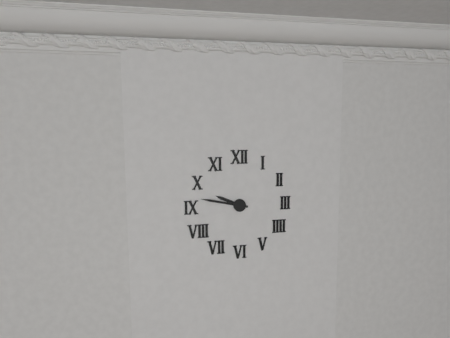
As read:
h=9 m=47
